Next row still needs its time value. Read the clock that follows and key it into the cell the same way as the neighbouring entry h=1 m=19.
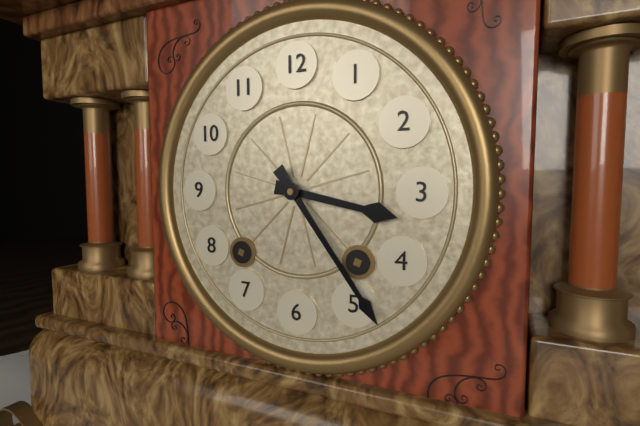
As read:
h=3 m=24
